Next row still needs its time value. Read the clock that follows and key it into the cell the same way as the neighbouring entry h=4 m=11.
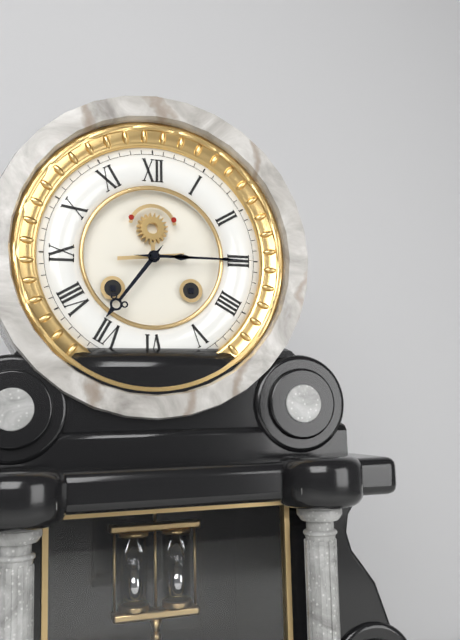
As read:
h=7 m=15
